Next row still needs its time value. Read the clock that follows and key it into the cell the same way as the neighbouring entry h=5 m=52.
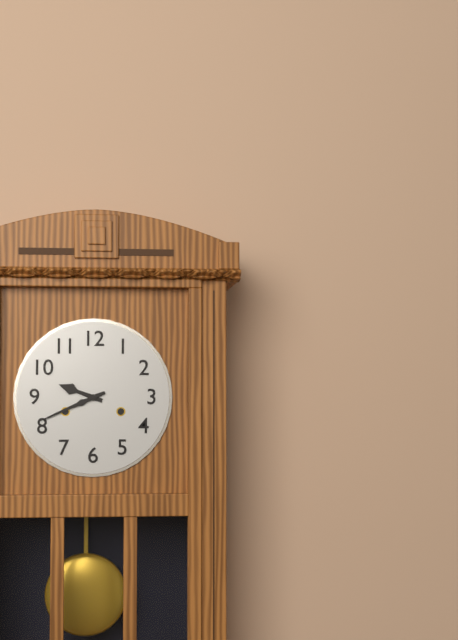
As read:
h=9 m=41
